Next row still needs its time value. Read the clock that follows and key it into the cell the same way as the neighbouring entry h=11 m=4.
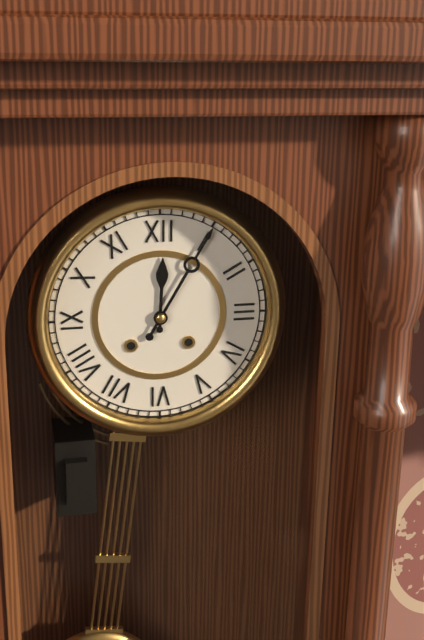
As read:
h=12 m=5
